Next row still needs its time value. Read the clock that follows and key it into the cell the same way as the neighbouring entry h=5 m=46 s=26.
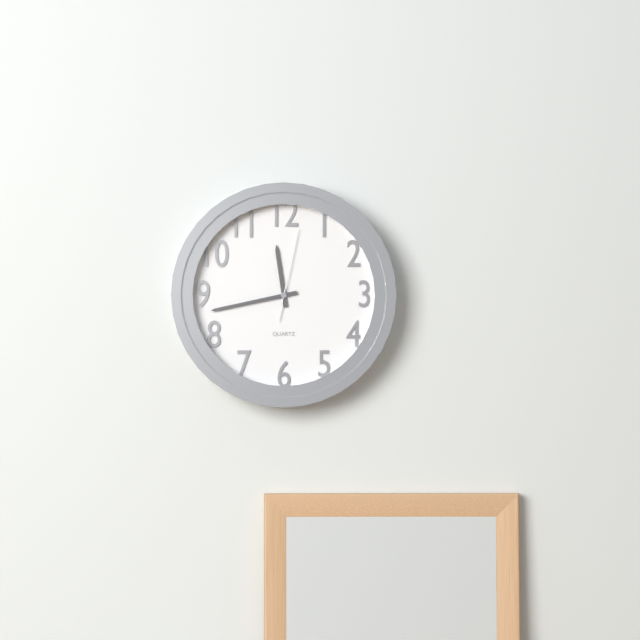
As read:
h=11 m=43 s=2
